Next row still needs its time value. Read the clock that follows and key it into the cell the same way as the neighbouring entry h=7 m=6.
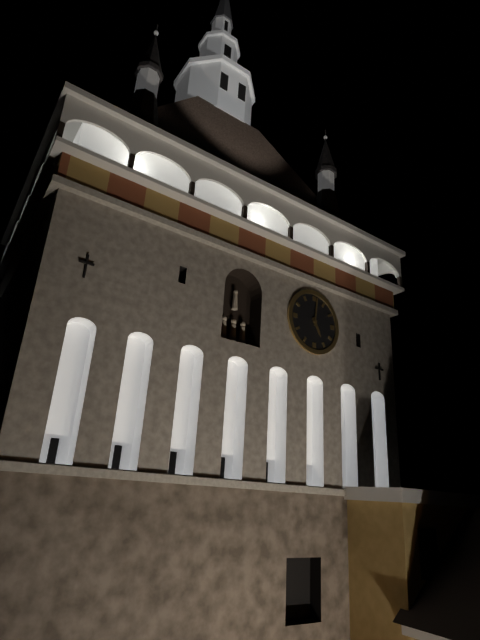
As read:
h=5 m=1
